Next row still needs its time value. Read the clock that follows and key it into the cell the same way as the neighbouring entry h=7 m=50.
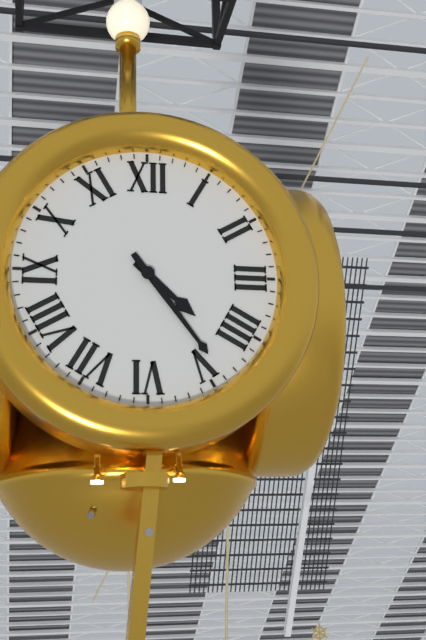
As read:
h=4 m=24
